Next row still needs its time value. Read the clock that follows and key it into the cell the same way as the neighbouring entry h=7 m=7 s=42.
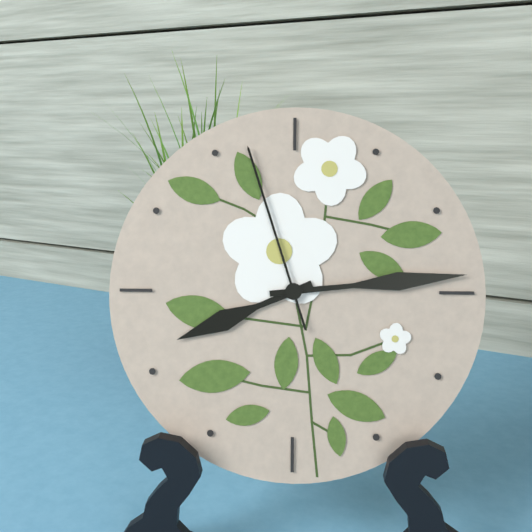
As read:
h=8 m=14 s=57
